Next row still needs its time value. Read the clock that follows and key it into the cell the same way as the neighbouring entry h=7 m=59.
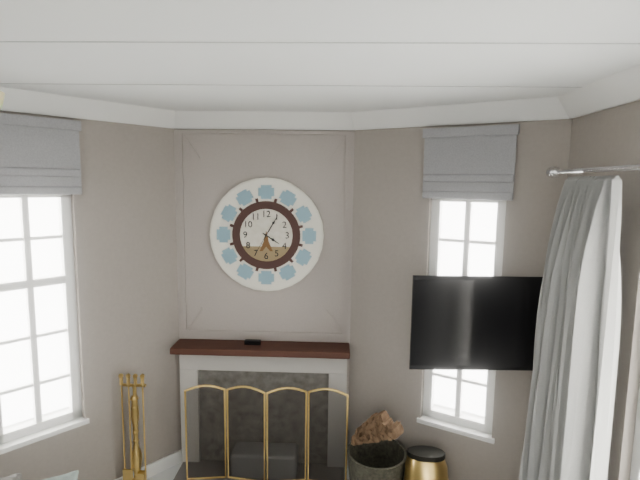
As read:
h=4 m=5
